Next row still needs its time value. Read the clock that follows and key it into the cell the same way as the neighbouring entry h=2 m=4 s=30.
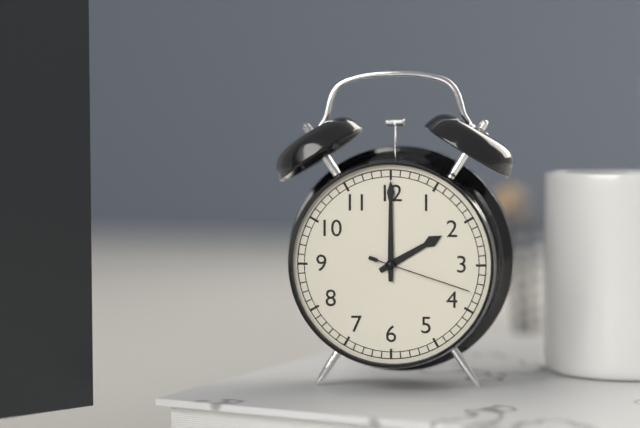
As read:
h=2 m=0 s=18
